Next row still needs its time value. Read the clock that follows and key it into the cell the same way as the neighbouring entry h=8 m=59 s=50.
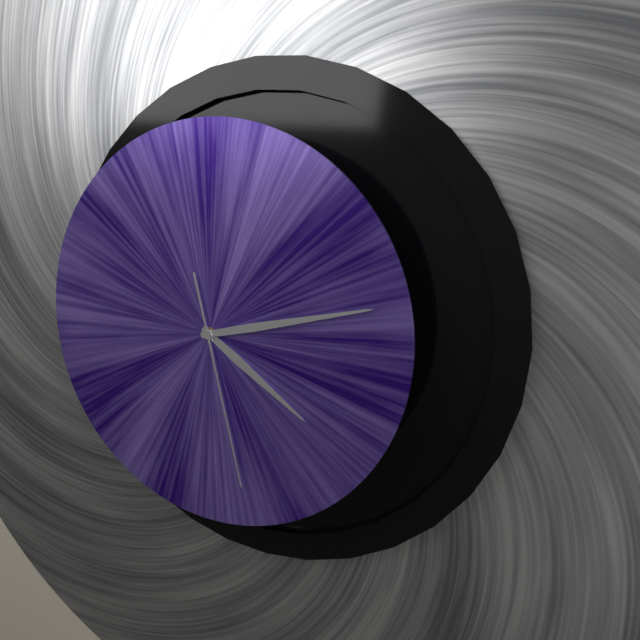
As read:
h=4 m=13 s=28
